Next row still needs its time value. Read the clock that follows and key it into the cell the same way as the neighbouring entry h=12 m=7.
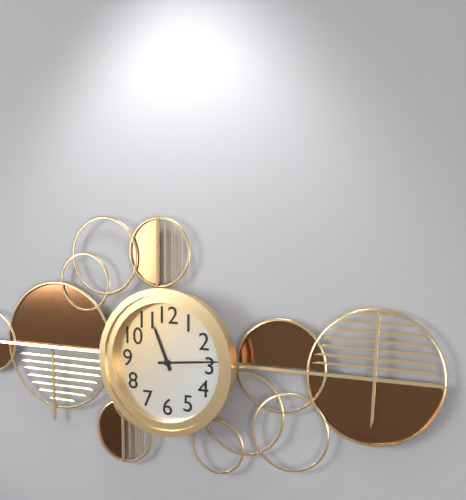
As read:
h=11 m=14
